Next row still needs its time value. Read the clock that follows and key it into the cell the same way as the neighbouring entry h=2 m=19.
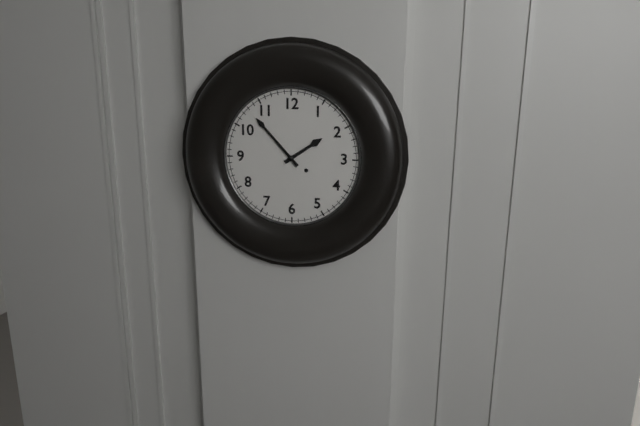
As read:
h=1 m=53
